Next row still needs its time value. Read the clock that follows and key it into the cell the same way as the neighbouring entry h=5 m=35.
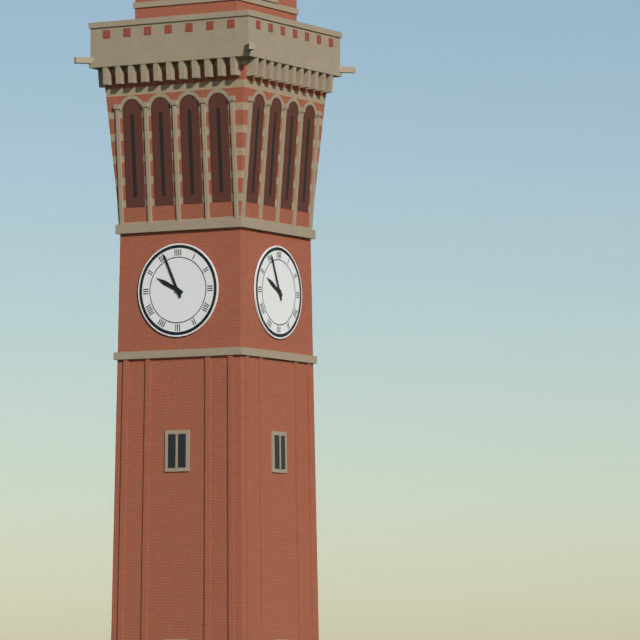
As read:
h=9 m=56
